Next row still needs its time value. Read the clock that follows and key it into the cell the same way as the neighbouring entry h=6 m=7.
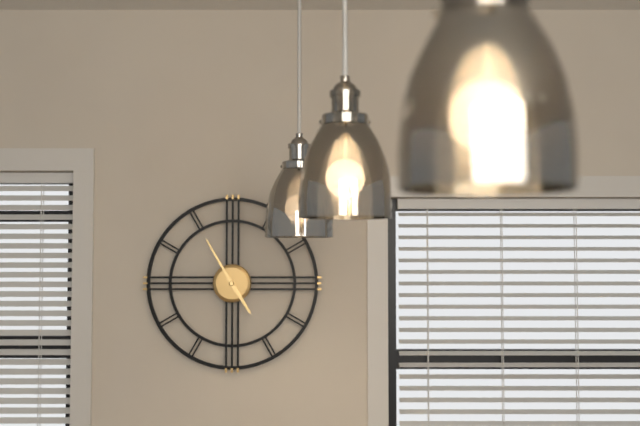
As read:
h=4 m=55
